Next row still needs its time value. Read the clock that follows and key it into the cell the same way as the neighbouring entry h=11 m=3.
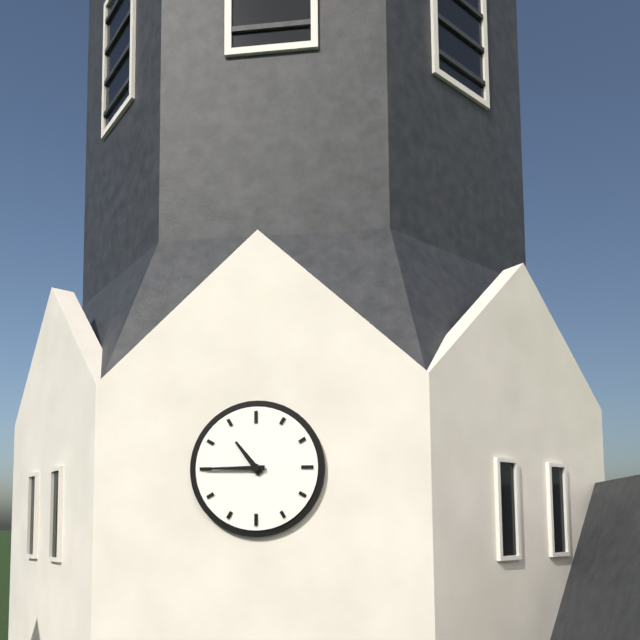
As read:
h=10 m=45
